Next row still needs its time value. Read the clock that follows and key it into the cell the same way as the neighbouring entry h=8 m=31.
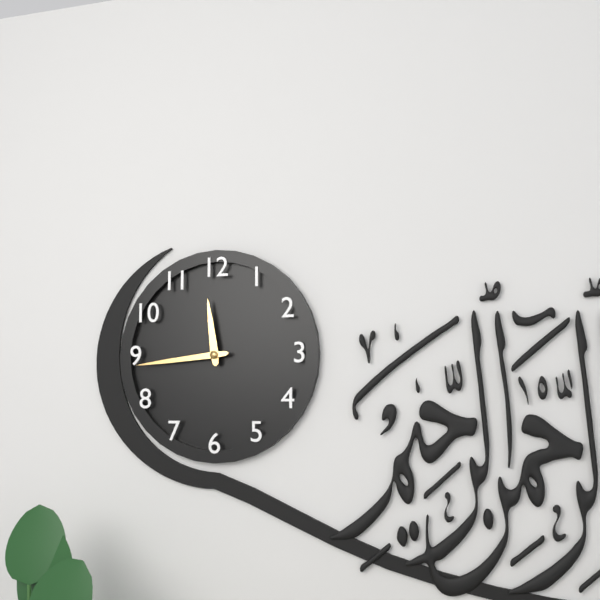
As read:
h=11 m=44
